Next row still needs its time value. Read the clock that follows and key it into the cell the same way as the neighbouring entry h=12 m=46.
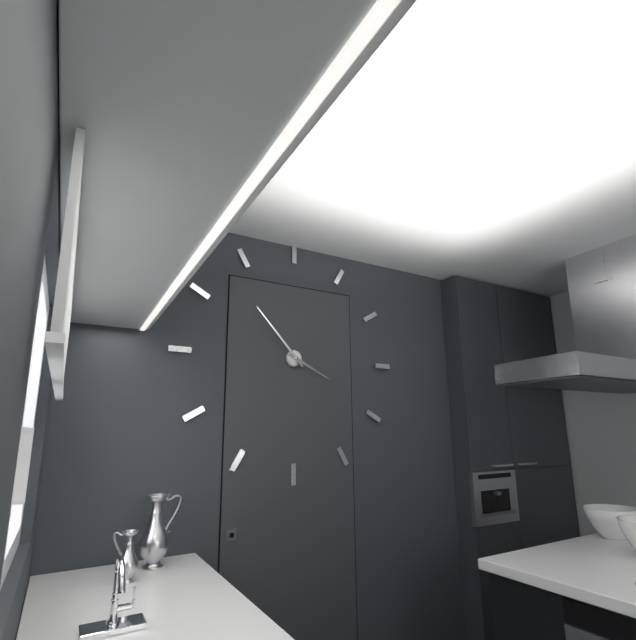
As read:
h=3 m=53
